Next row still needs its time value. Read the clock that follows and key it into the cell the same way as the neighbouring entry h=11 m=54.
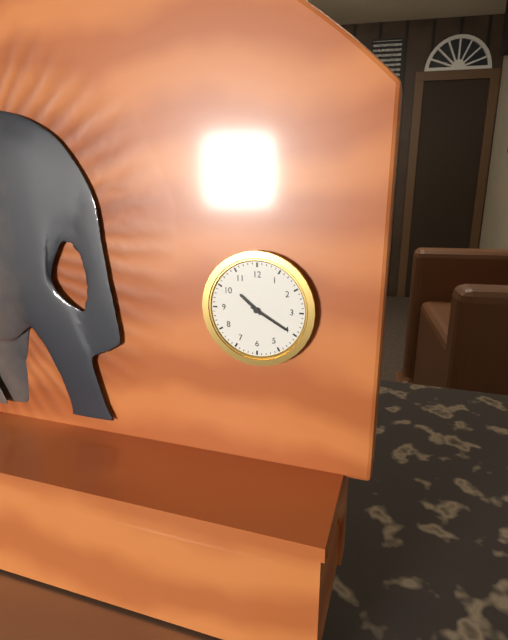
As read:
h=10 m=20
